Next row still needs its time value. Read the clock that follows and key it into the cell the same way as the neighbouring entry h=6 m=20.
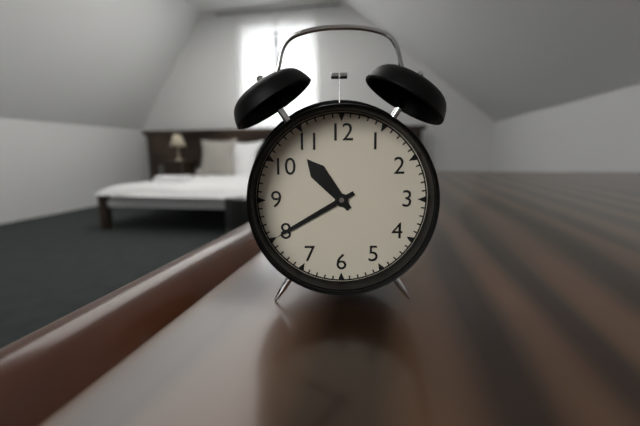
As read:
h=10 m=40
